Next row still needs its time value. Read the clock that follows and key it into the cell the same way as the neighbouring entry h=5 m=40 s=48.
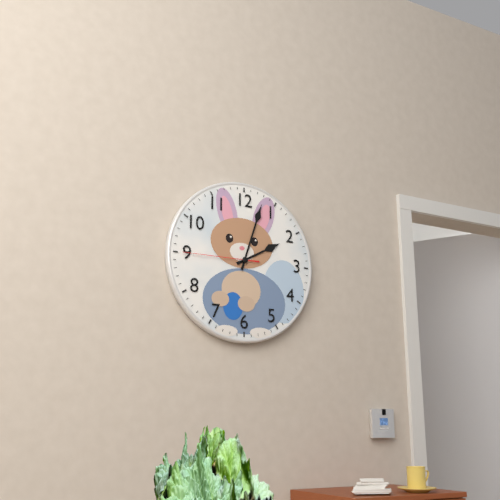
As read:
h=2 m=3 s=45
